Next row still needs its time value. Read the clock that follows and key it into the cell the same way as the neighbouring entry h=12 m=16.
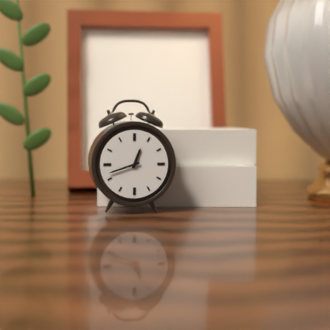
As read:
h=12 m=42
